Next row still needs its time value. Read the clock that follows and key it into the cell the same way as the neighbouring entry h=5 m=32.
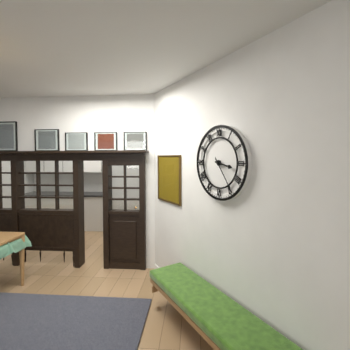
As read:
h=3 m=24
